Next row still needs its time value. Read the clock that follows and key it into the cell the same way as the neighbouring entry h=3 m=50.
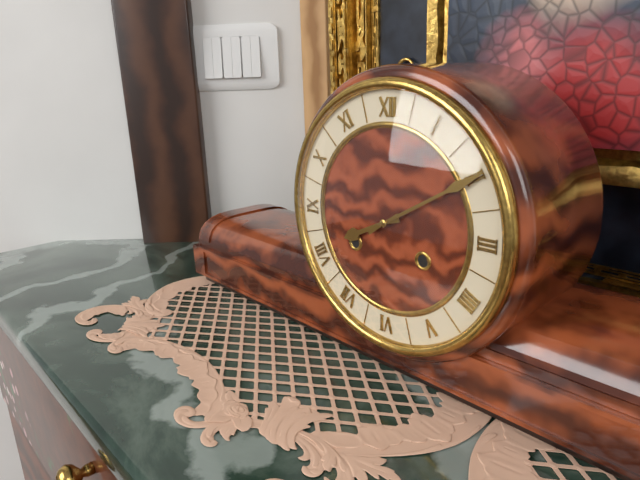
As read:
h=8 m=10
